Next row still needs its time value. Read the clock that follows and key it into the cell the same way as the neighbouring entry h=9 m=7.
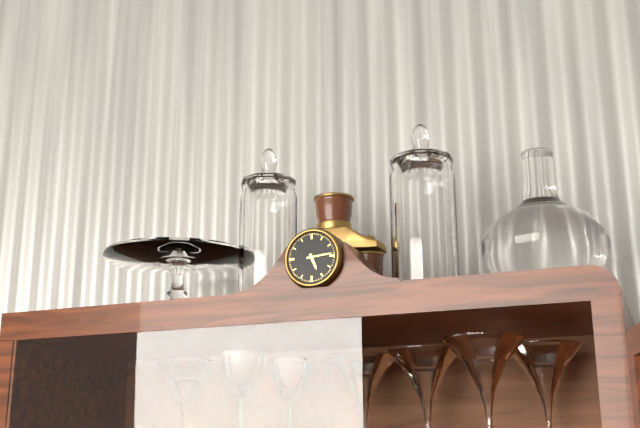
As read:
h=5 m=14
